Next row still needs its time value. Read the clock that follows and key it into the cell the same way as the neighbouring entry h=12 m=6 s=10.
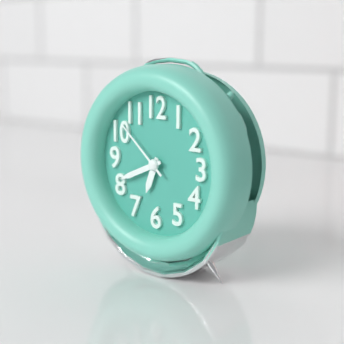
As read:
h=6 m=41 s=52
